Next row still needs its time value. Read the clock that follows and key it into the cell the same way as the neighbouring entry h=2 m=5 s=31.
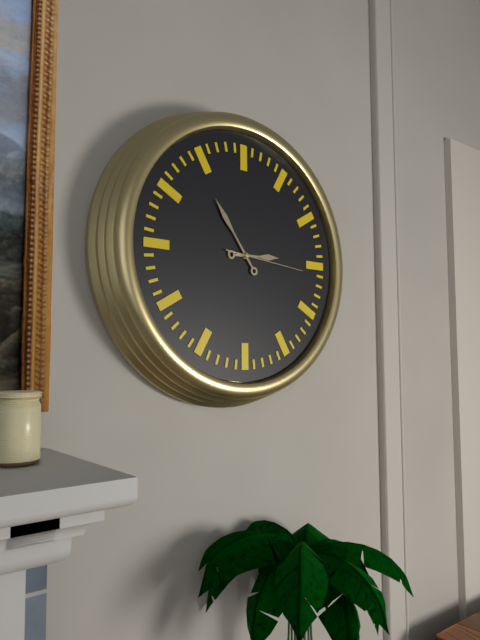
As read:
h=2 m=54 s=16
